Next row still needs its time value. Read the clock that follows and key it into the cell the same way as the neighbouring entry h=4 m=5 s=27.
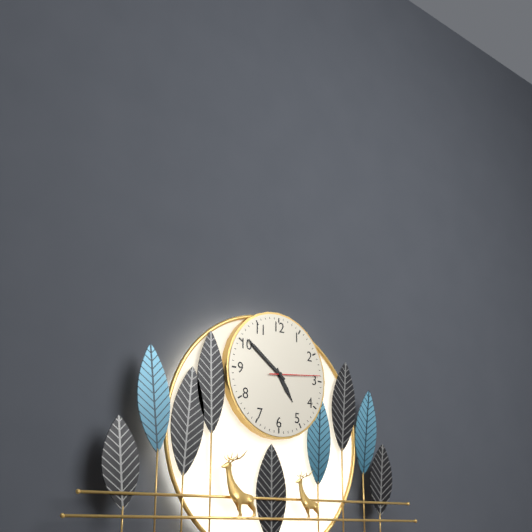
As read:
h=4 m=51 s=14
